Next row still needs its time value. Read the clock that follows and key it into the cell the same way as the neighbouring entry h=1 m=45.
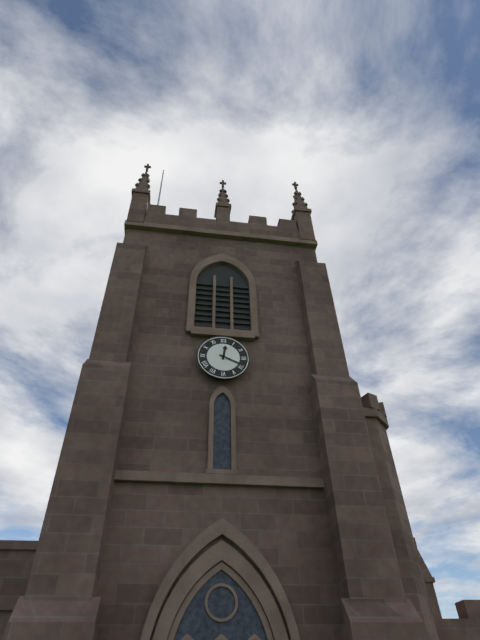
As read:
h=12 m=19
